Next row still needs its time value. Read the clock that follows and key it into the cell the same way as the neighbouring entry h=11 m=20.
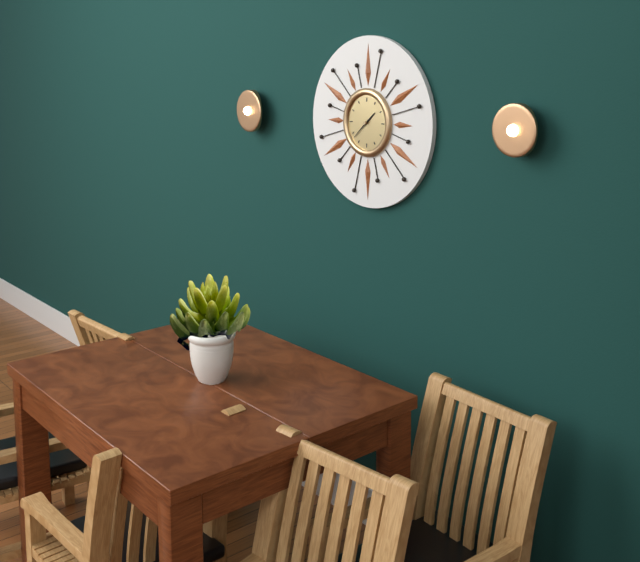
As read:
h=1 m=38
